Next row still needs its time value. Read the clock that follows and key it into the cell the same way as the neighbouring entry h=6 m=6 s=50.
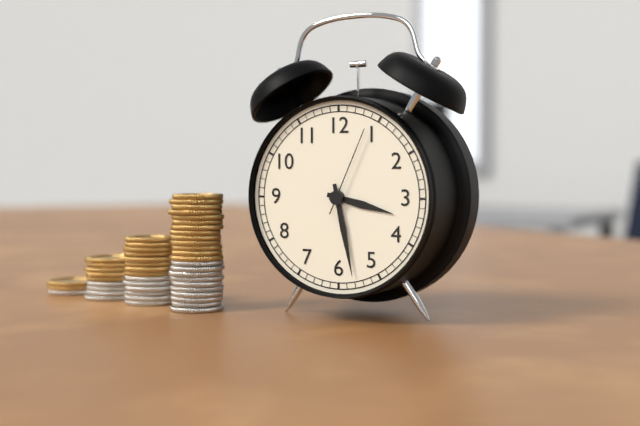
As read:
h=3 m=28 s=4
